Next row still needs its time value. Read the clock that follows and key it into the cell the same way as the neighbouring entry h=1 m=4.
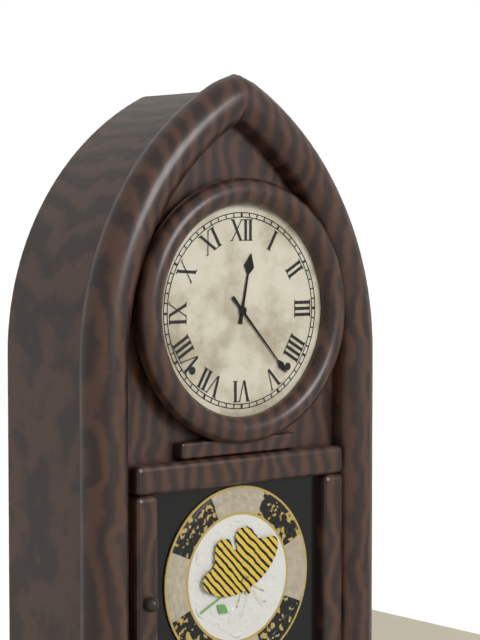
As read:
h=12 m=23
